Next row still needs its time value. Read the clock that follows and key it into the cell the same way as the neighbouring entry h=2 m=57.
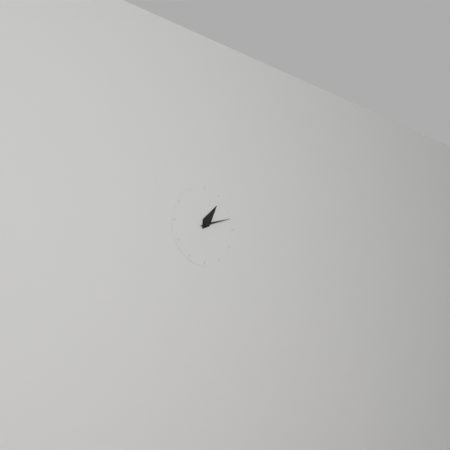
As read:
h=1 m=12
